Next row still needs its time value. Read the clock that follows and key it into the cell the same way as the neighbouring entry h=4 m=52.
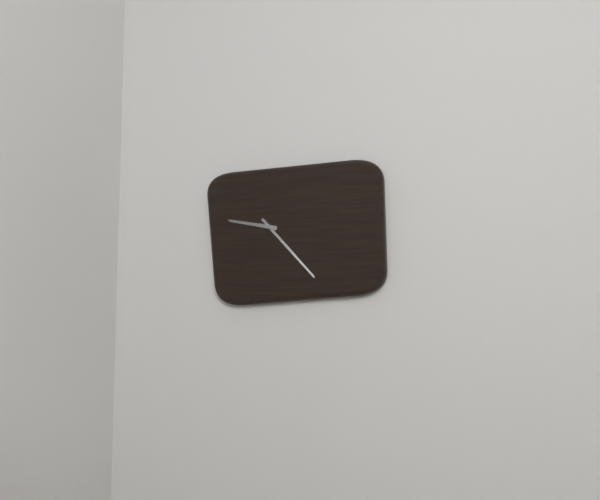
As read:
h=9 m=23
